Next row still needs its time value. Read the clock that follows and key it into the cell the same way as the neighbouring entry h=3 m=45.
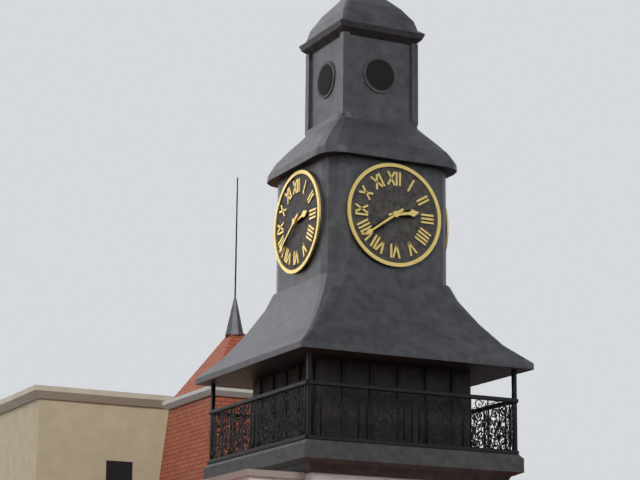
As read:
h=2 m=39
